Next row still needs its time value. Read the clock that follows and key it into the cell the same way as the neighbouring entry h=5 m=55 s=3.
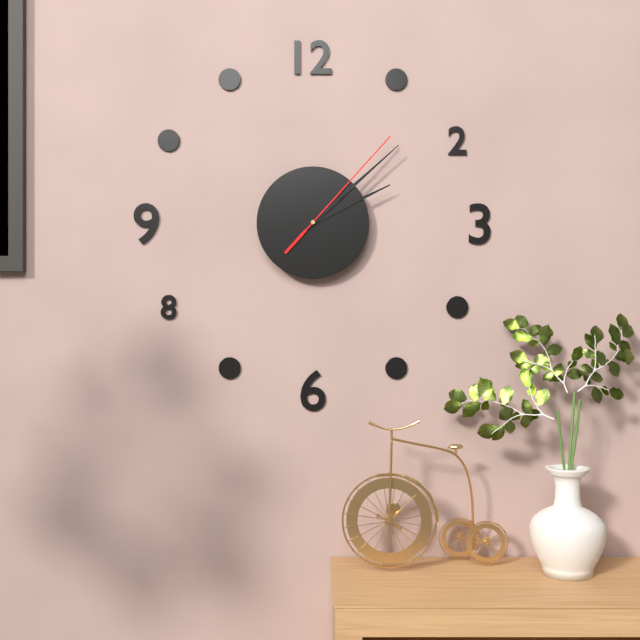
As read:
h=2 m=8 s=7
